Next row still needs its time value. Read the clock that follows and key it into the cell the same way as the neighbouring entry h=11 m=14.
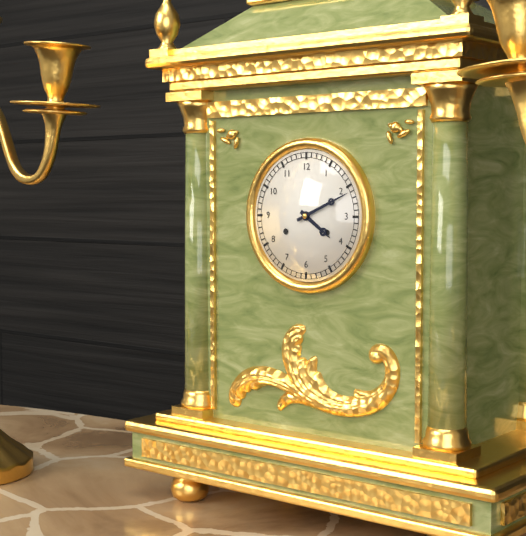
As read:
h=4 m=11
